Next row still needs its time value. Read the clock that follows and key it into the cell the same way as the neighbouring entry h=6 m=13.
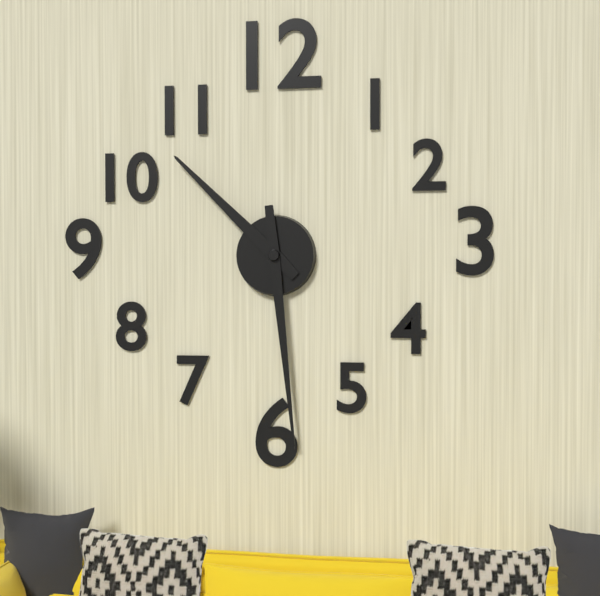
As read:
h=10 m=29
